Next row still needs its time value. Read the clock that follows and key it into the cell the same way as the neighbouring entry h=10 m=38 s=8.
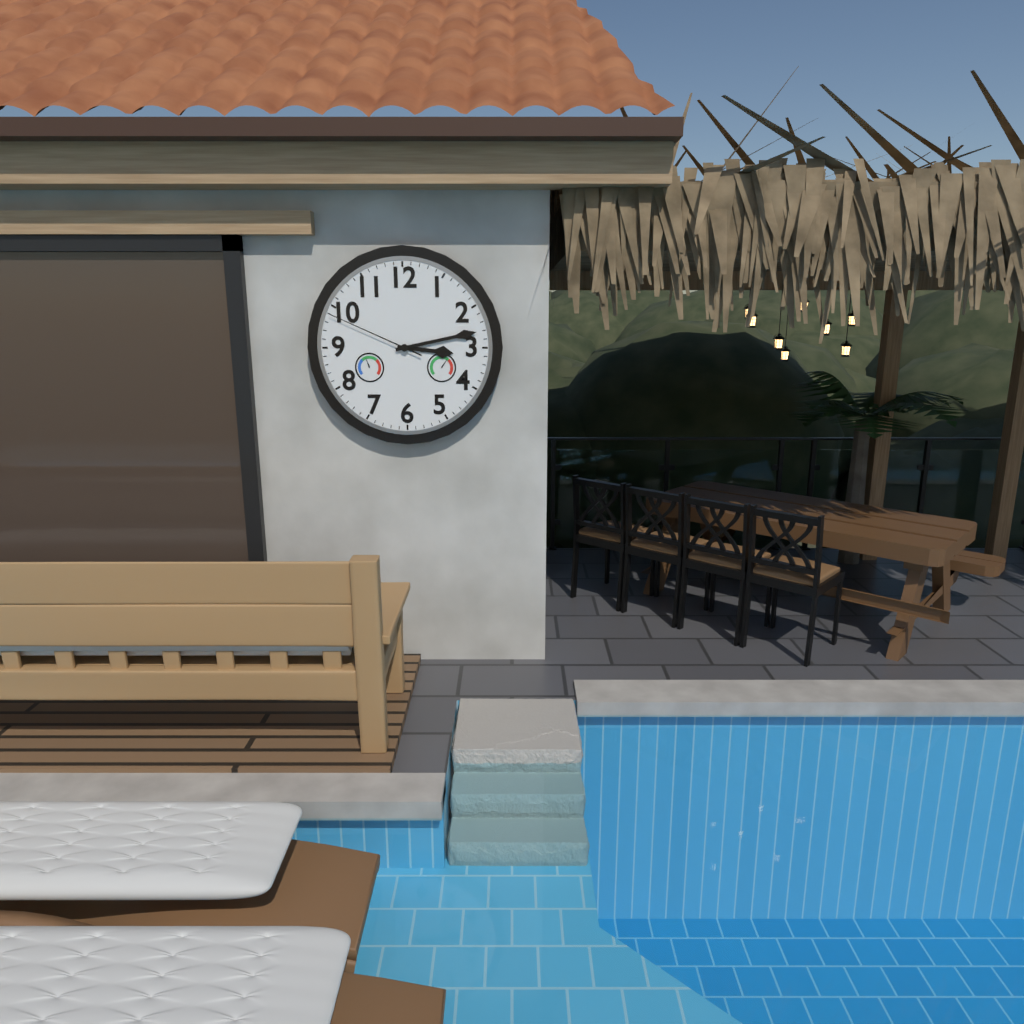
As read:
h=3 m=13 s=49
